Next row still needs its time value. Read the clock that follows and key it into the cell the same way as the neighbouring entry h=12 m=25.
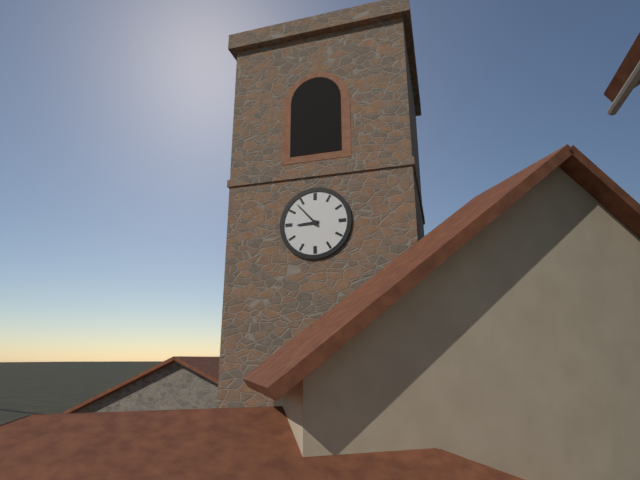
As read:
h=8 m=53
